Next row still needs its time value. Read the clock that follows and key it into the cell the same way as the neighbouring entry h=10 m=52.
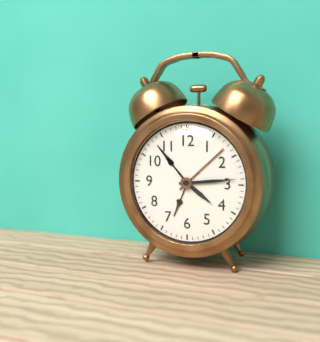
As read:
h=4 m=14
